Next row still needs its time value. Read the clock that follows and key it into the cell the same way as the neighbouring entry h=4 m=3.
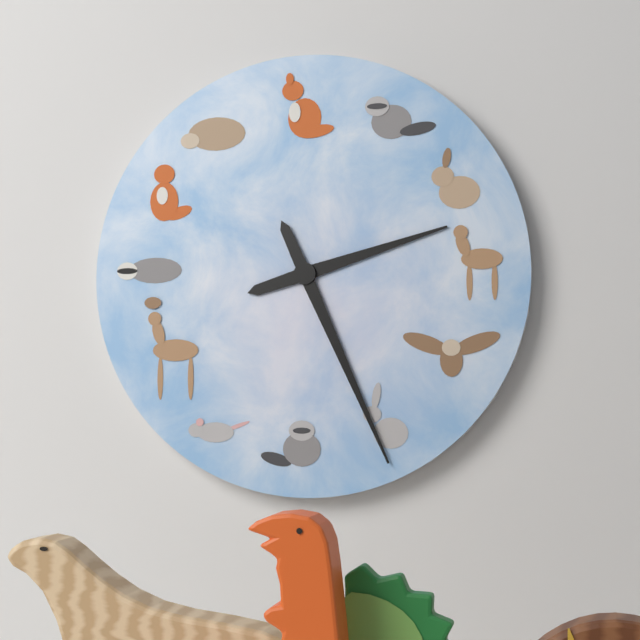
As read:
h=2 m=26
